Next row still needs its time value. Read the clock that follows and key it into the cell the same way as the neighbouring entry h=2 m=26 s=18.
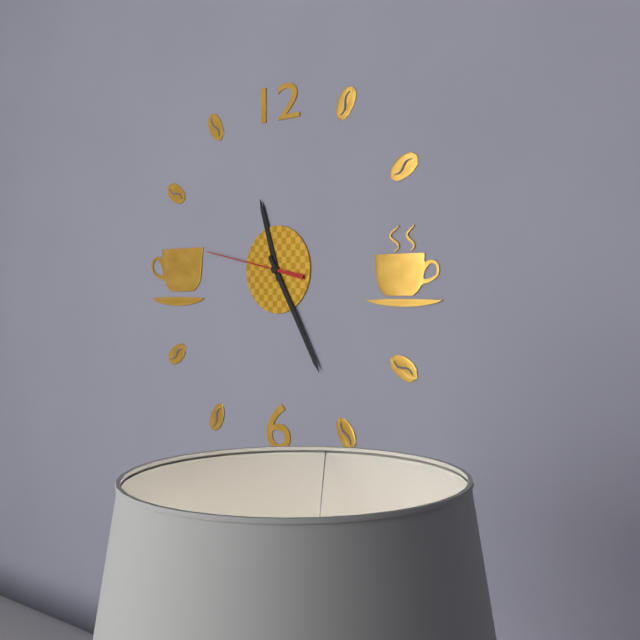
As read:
h=11 m=25 s=47
